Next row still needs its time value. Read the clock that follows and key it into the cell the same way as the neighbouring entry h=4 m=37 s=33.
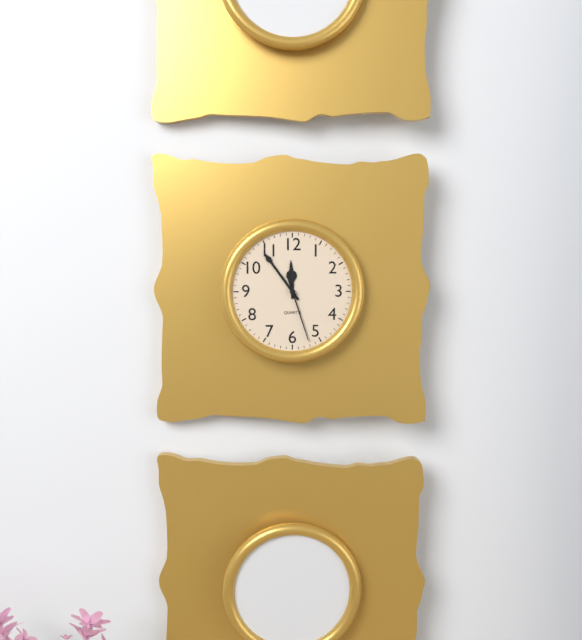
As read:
h=11 m=54 s=27
